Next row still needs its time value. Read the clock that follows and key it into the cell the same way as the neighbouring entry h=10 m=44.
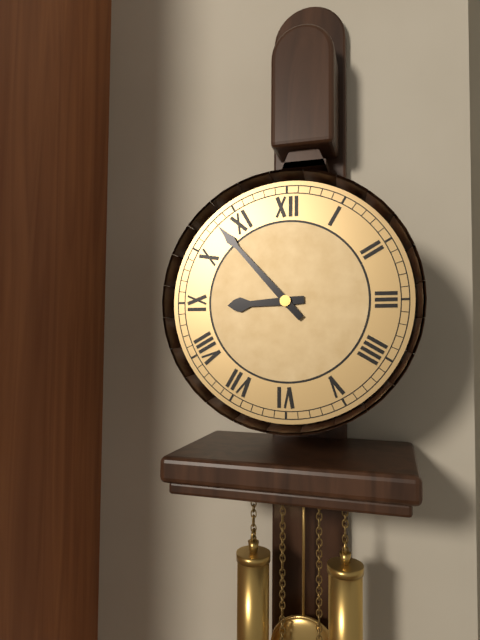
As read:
h=8 m=53
